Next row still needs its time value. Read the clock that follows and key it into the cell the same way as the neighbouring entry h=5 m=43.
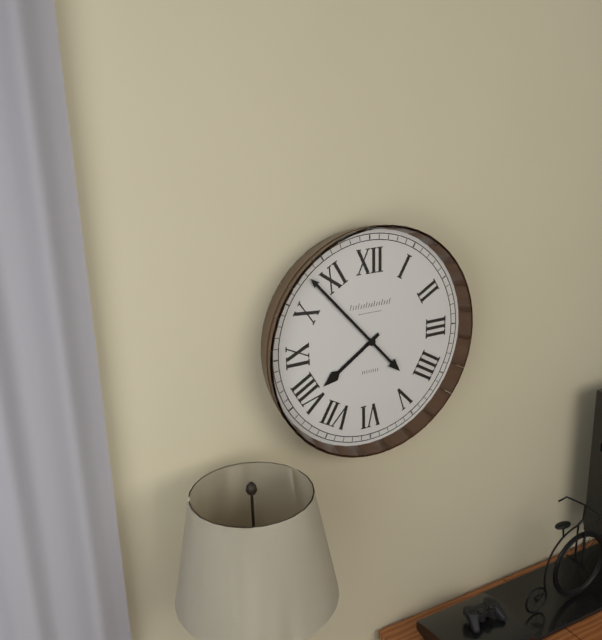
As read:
h=7 m=53
